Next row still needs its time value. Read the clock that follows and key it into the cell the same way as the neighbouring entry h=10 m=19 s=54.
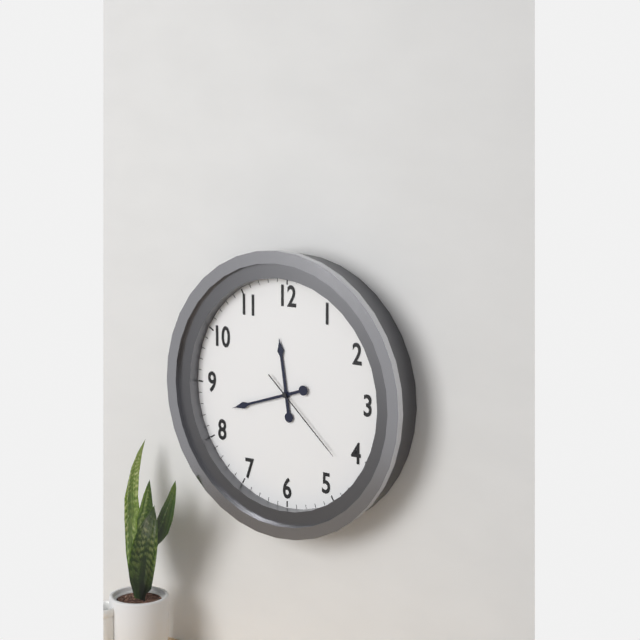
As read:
h=11 m=42 s=22
